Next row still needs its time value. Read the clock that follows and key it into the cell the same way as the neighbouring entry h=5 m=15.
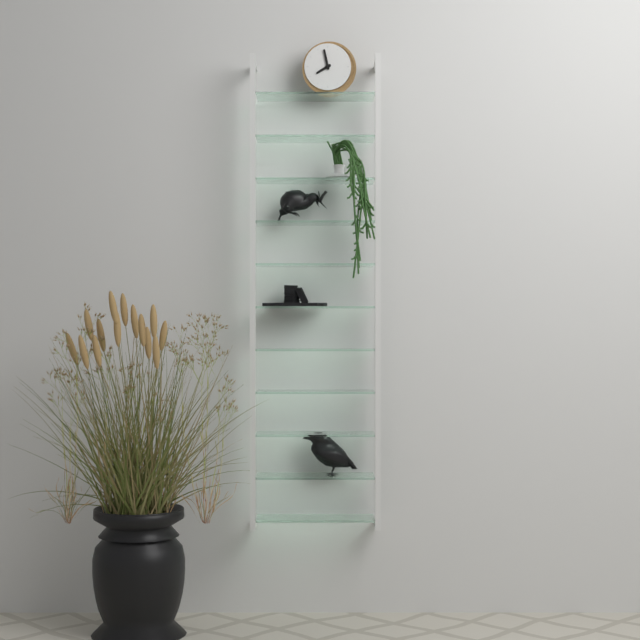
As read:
h=7 m=58
